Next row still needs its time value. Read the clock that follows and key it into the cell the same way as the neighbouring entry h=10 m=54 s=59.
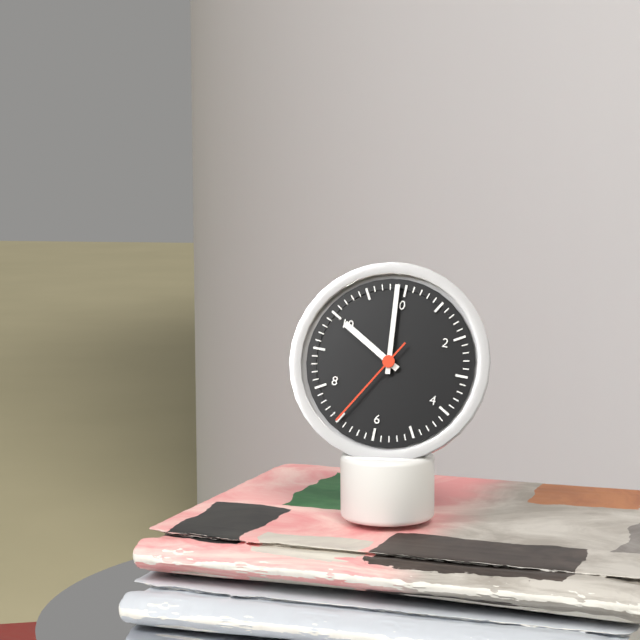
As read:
h=9 m=59 s=35
